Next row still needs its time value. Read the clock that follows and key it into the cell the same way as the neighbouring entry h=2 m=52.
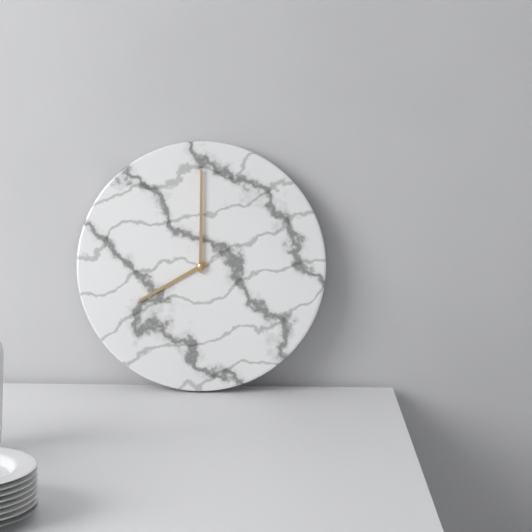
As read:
h=8 m=0
